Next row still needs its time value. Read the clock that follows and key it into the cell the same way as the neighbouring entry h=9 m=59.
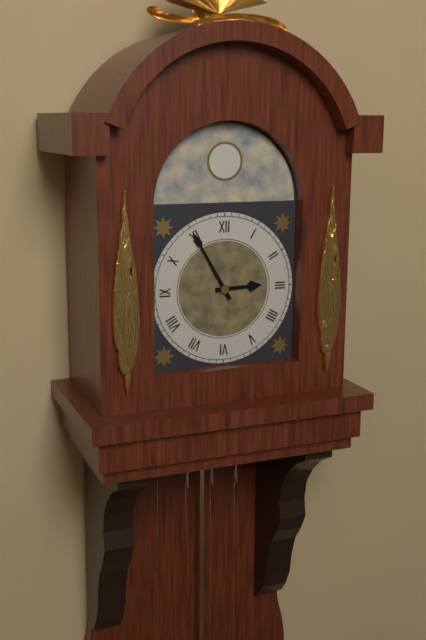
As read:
h=2 m=55
